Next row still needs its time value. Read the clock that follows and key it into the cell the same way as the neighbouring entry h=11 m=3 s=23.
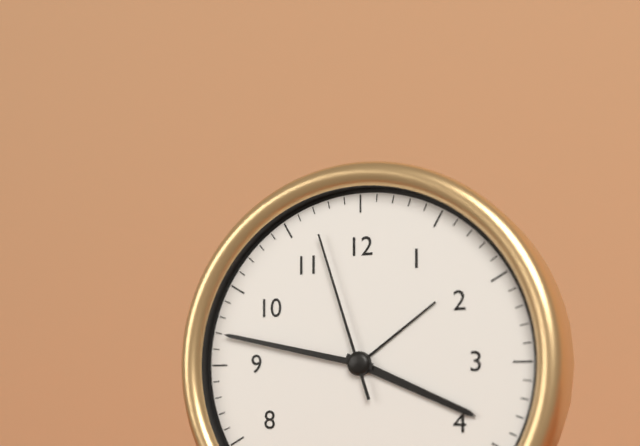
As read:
h=3 m=47 s=57
